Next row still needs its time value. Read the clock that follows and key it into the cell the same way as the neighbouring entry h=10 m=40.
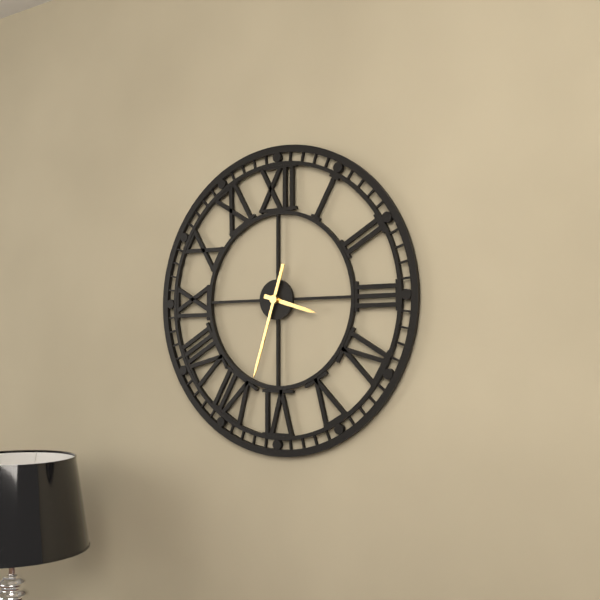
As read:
h=3 m=33
